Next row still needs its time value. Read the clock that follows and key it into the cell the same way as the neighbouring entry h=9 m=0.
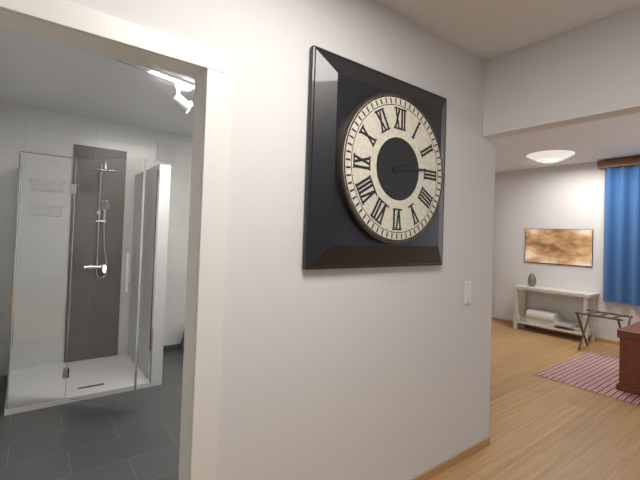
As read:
h=2 m=14
